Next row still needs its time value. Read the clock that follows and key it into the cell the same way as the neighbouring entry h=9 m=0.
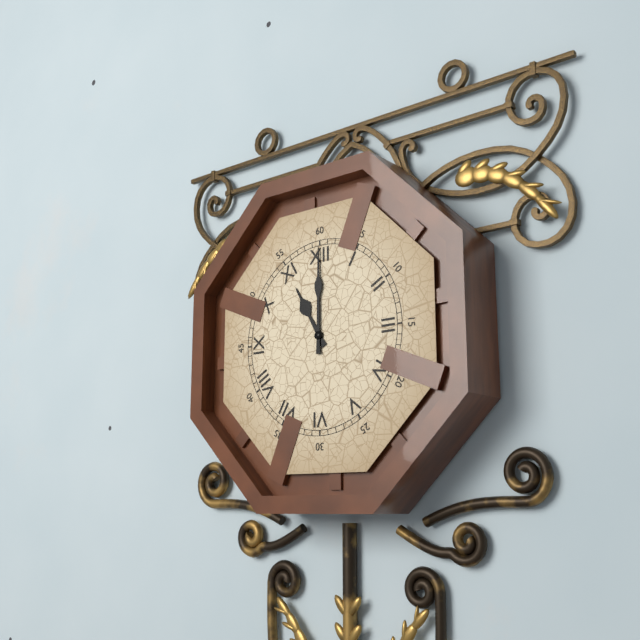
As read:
h=11 m=0
